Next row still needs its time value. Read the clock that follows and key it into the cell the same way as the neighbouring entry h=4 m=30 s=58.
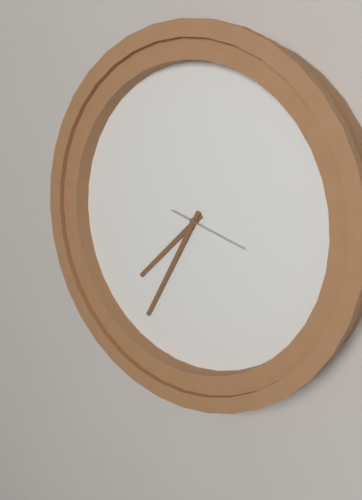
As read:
h=7 m=35 s=18
